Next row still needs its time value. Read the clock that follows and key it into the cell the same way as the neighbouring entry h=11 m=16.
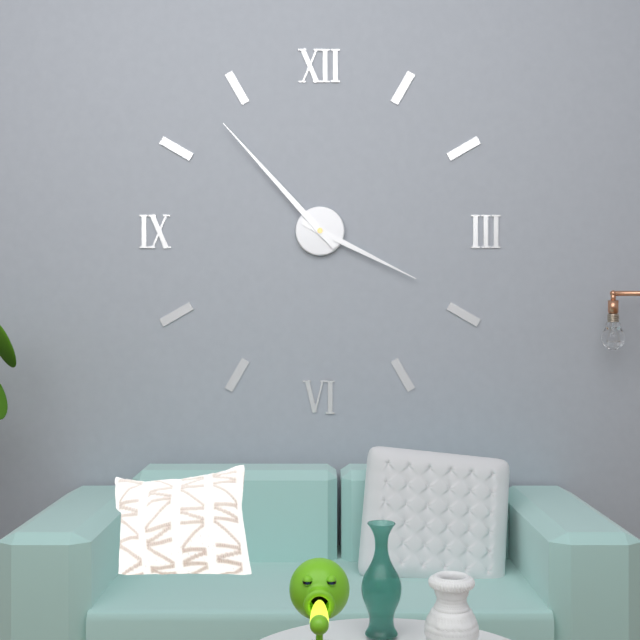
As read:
h=3 m=53
